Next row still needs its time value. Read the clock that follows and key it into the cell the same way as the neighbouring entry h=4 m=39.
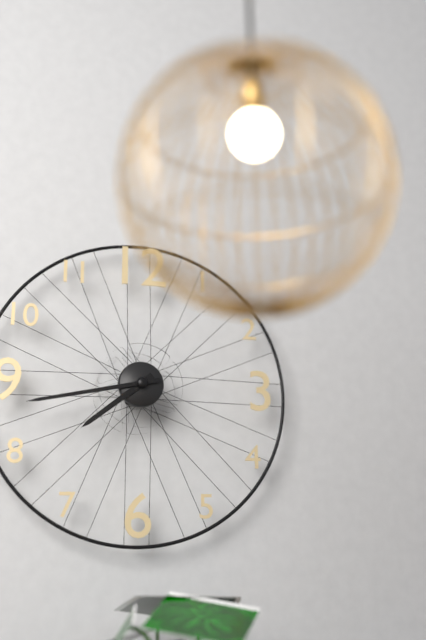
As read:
h=7 m=43
